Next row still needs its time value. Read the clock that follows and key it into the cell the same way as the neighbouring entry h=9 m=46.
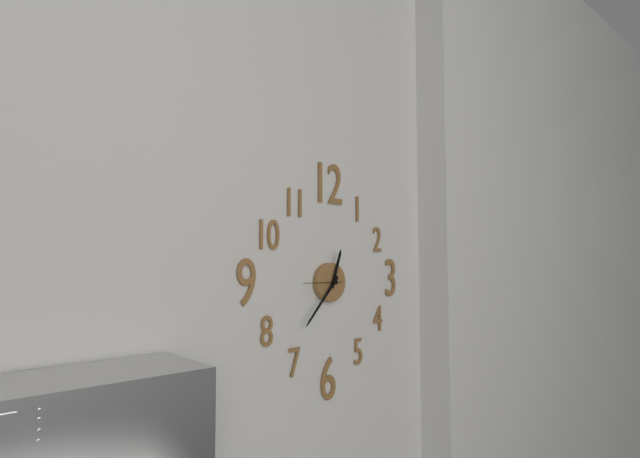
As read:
h=12 m=37
